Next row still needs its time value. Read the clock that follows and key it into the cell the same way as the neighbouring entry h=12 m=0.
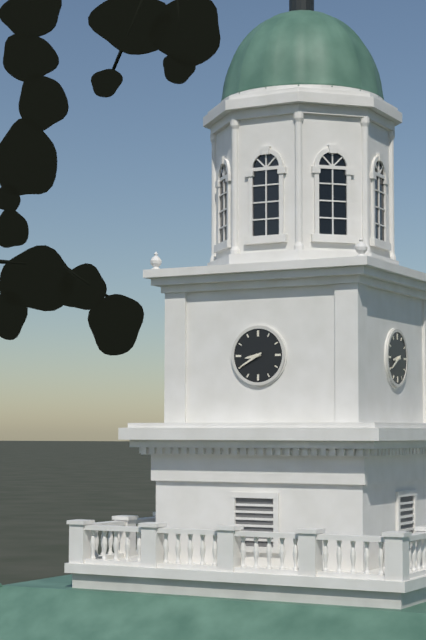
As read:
h=8 m=40
